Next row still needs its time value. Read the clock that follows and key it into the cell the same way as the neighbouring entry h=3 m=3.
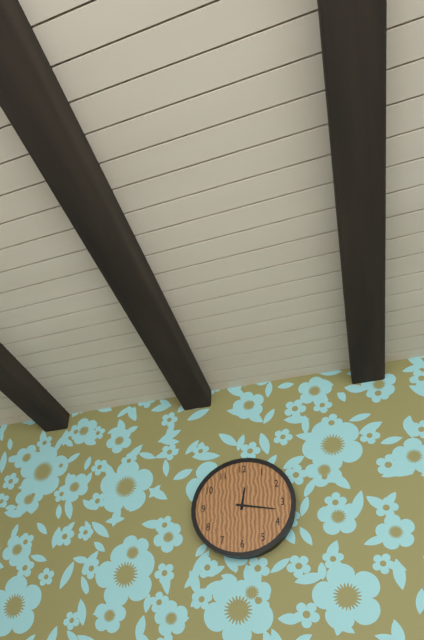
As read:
h=12 m=17
